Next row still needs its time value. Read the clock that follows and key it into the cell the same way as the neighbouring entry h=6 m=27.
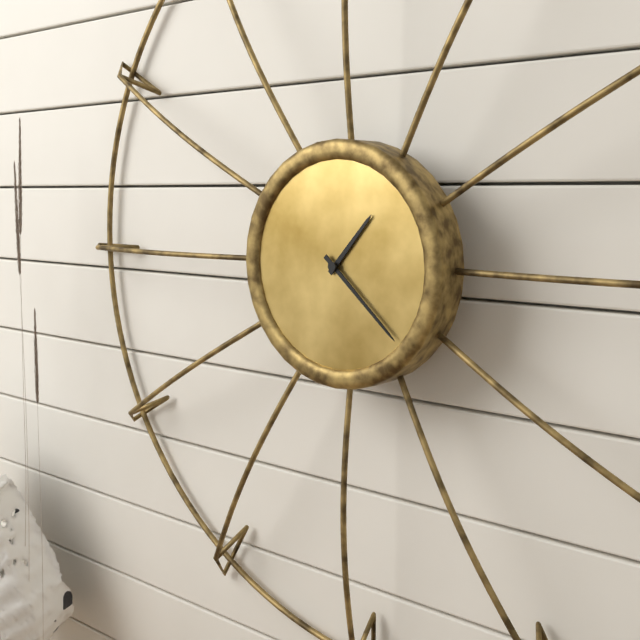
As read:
h=1 m=22
